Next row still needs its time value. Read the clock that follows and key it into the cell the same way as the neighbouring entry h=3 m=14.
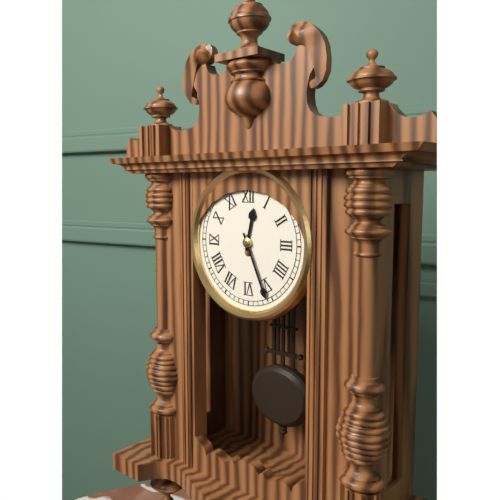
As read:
h=12 m=26
